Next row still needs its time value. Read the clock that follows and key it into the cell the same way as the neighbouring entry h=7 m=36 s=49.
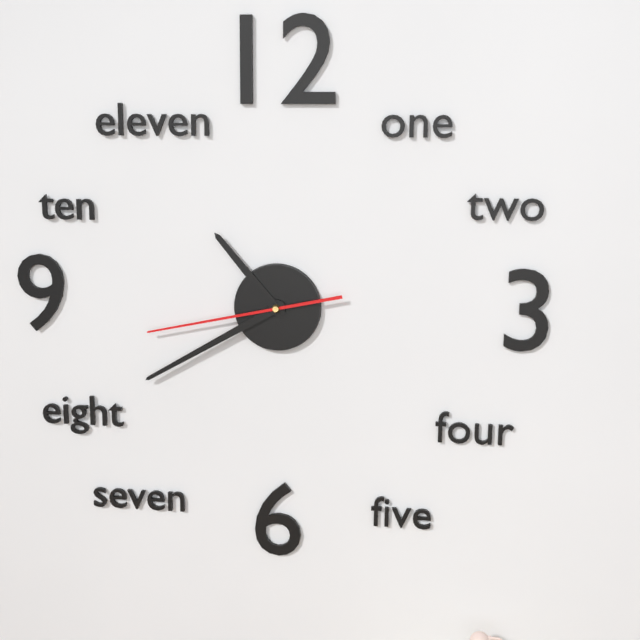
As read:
h=10 m=40 s=43
